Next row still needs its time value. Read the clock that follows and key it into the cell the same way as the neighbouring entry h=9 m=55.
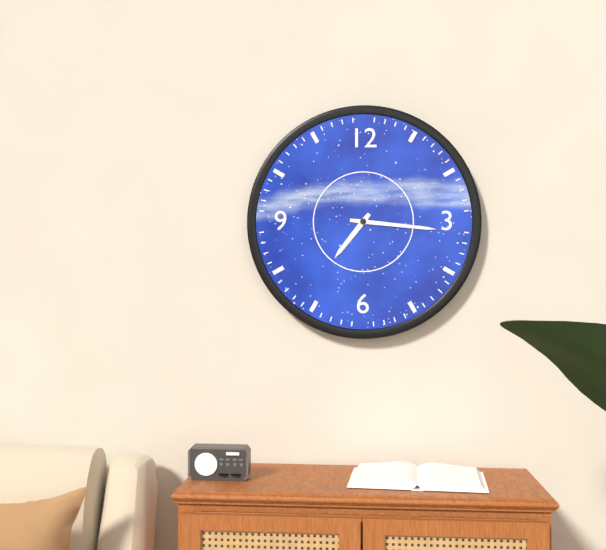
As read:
h=7 m=16
